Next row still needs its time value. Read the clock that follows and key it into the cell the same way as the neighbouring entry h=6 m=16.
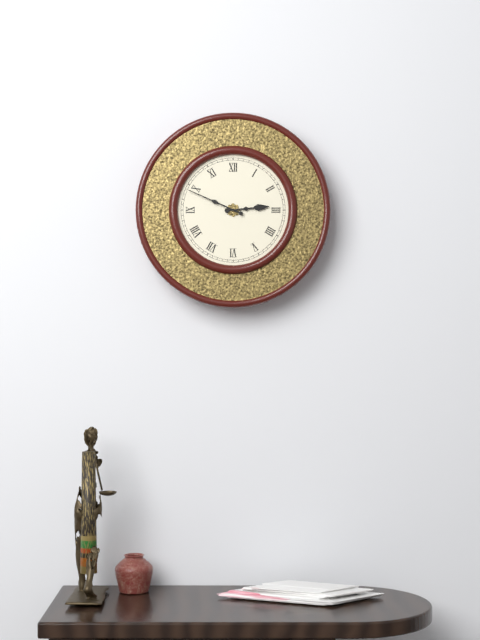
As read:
h=2 m=49
